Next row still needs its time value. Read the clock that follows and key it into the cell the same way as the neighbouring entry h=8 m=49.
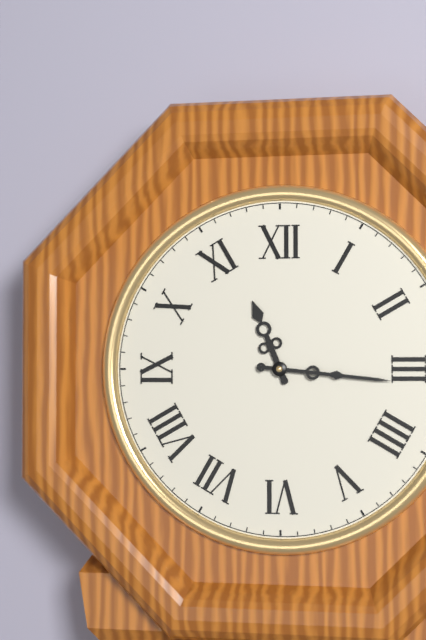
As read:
h=11 m=16
